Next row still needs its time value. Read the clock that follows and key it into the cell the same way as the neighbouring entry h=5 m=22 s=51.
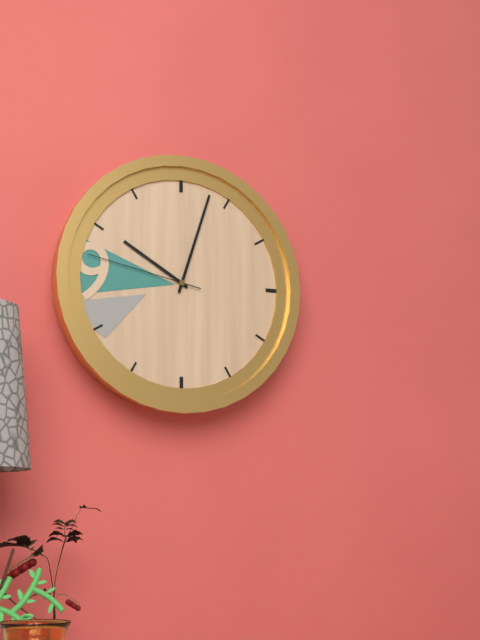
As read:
h=10 m=3 s=47
